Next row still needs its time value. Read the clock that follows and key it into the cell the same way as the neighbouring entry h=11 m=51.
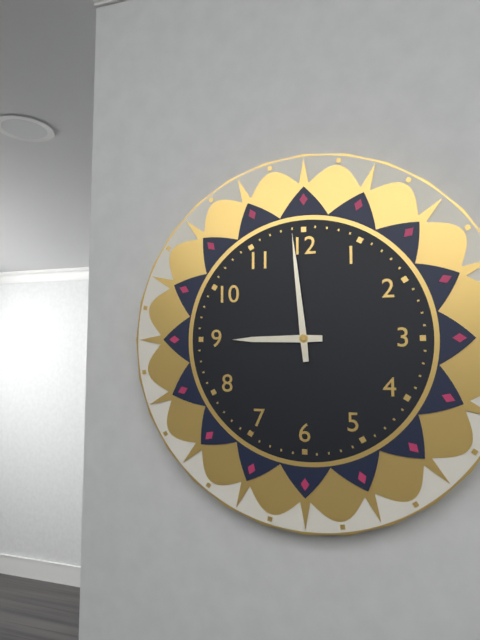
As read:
h=8 m=59
